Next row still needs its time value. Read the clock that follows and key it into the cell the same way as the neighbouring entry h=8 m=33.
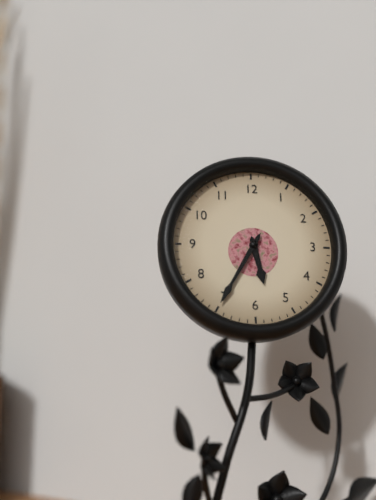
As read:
h=5 m=35
